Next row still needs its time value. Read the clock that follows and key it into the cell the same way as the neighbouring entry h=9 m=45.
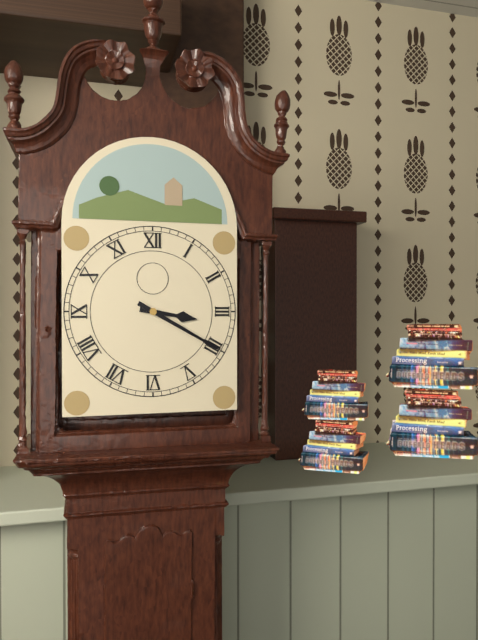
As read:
h=3 m=20
